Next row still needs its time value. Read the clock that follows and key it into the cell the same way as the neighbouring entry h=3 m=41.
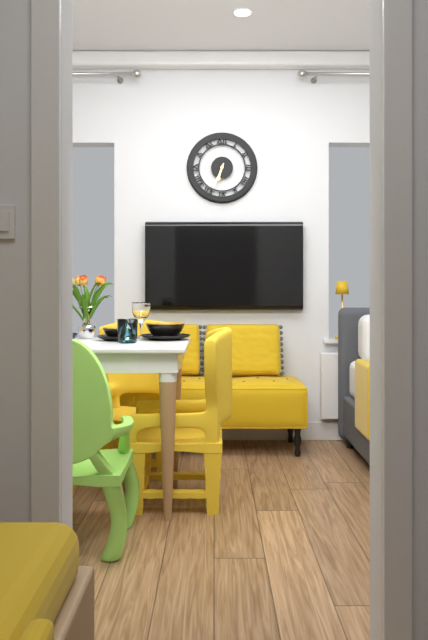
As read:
h=6 m=34
